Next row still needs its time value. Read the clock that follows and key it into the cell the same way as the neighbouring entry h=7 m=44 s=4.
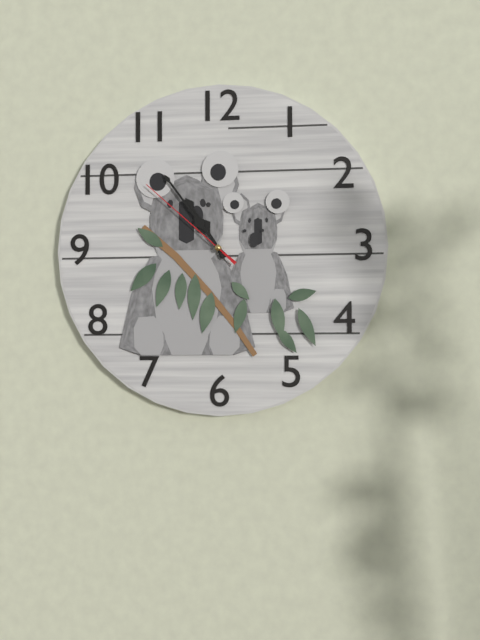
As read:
h=10 m=54 s=52
